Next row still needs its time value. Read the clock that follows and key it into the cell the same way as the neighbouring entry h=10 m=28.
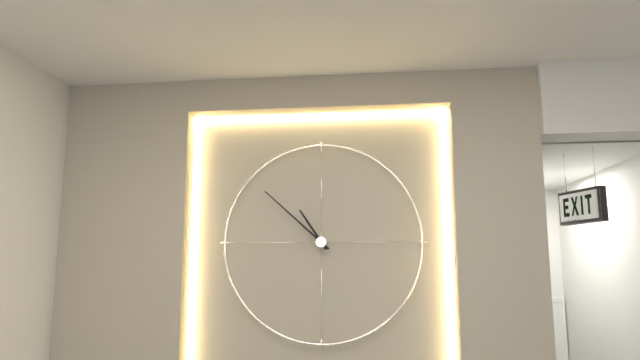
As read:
h=10 m=52
